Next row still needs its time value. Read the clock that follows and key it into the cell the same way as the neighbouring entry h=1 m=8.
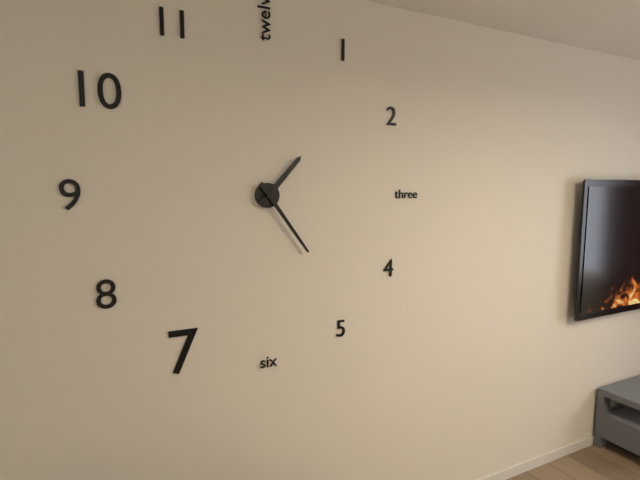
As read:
h=1 m=24
